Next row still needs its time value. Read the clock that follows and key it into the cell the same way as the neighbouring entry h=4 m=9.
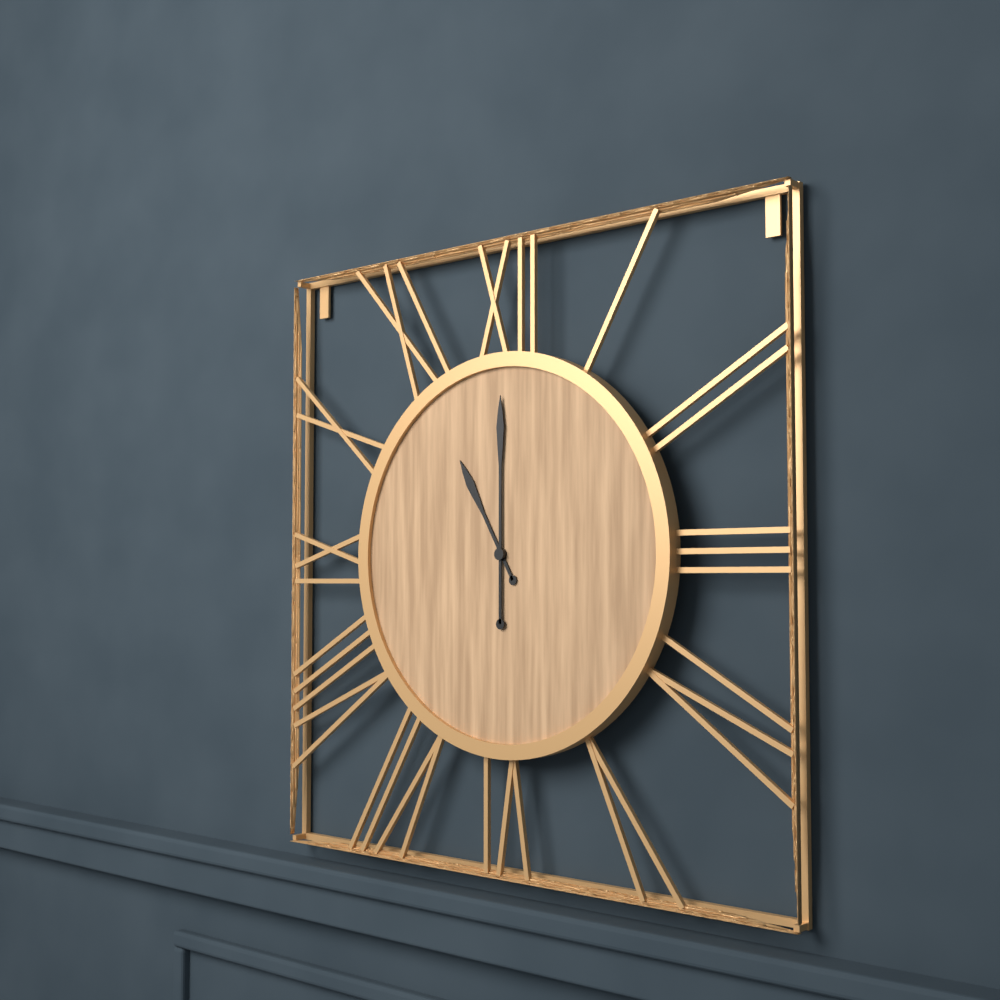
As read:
h=11 m=0
